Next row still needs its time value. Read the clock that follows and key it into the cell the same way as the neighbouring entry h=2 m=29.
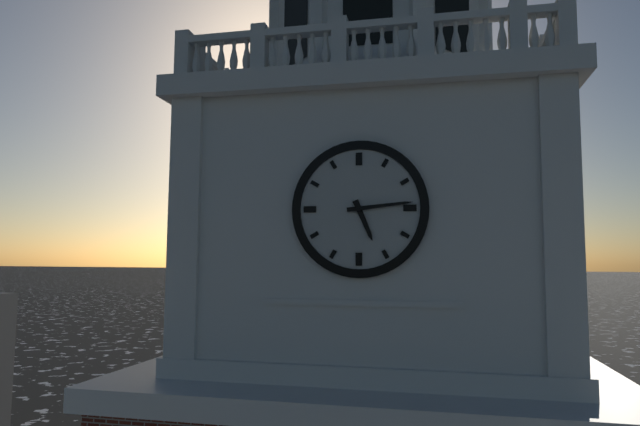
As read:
h=5 m=14
